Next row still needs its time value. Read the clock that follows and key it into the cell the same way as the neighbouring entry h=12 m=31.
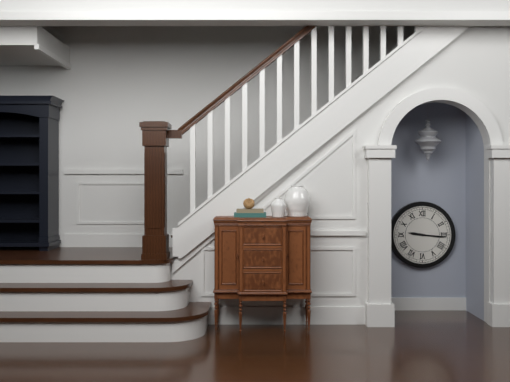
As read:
h=9 m=16
